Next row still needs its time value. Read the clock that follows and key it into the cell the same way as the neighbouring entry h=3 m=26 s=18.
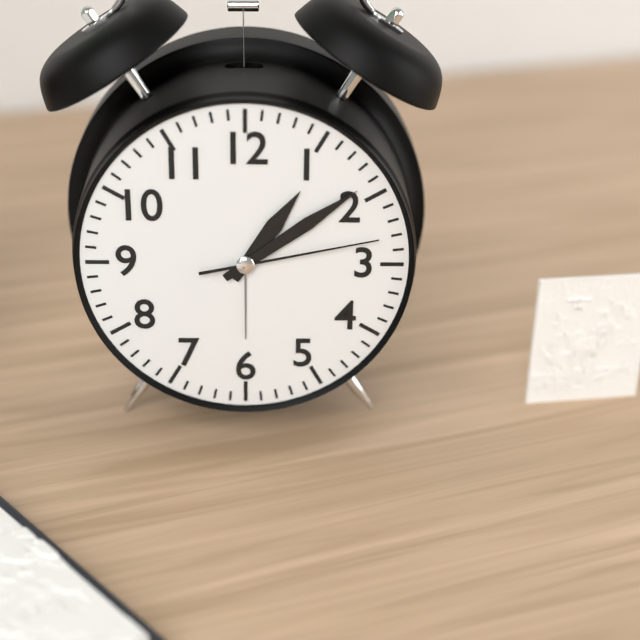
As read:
h=1 m=9 s=13
